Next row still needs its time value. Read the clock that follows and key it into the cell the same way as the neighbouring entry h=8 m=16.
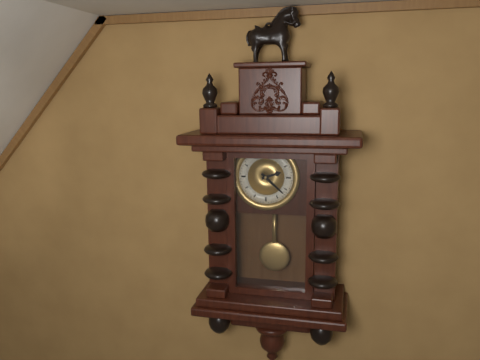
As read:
h=2 m=22
